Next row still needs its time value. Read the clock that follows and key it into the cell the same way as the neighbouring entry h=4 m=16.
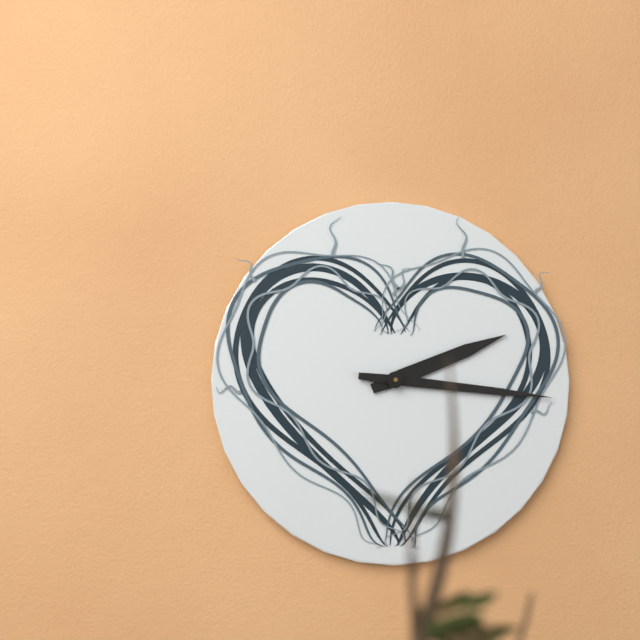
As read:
h=2 m=16
